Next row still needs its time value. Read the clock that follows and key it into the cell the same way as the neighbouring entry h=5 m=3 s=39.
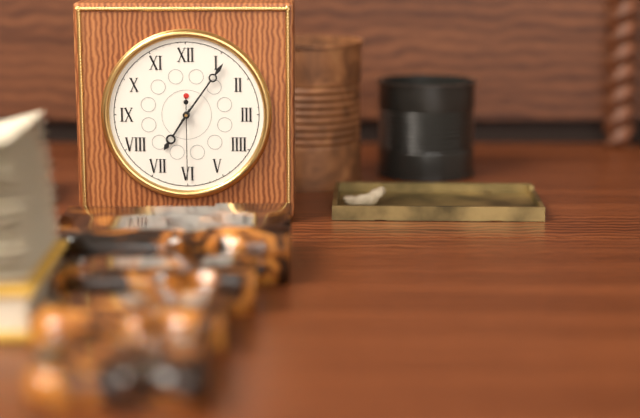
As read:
h=7 m=6 s=30
